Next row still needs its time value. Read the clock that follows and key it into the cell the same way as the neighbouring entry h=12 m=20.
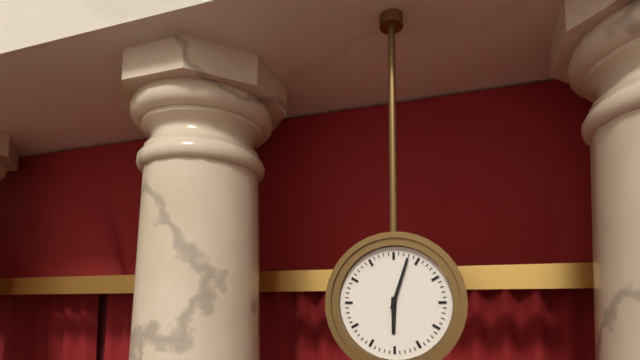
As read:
h=6 m=3
